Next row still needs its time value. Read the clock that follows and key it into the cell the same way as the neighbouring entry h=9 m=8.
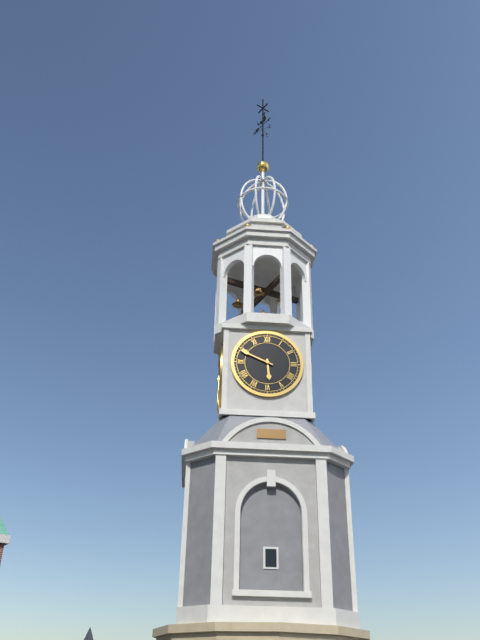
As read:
h=5 m=49
